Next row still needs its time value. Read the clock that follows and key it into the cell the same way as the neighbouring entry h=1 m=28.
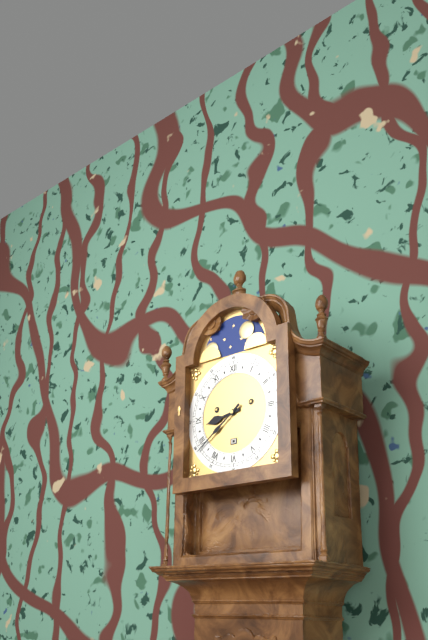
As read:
h=8 m=39
